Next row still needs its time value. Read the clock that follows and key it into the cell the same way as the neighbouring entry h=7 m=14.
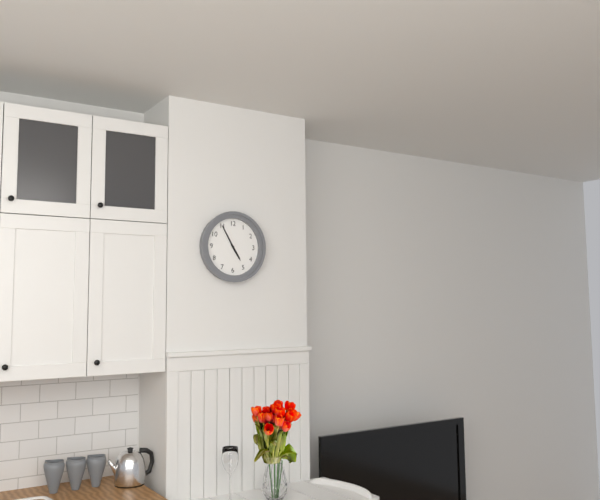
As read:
h=4 m=55
